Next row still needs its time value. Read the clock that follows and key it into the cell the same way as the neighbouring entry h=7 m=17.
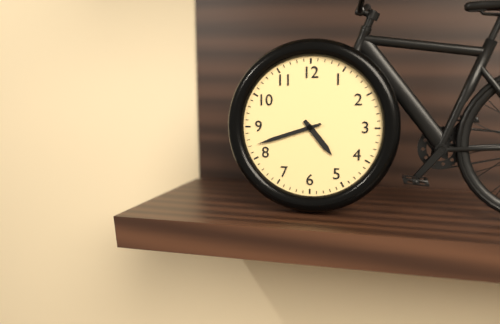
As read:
h=4 m=42
